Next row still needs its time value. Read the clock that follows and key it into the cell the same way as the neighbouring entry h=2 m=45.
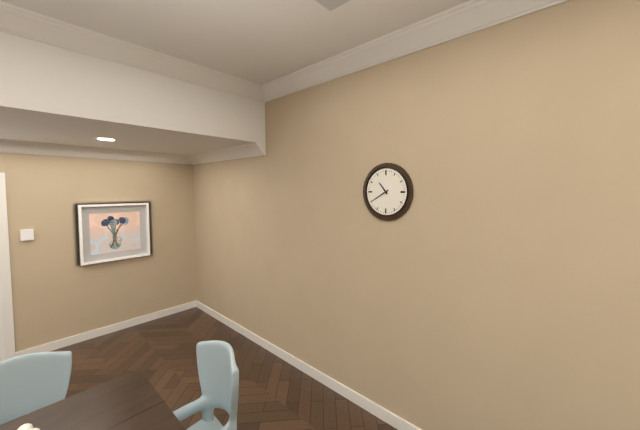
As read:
h=10 m=40
